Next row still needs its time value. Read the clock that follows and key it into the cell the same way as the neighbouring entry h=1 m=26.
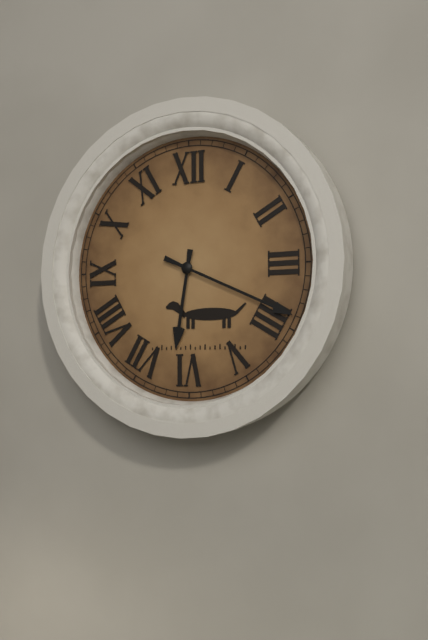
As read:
h=6 m=19
